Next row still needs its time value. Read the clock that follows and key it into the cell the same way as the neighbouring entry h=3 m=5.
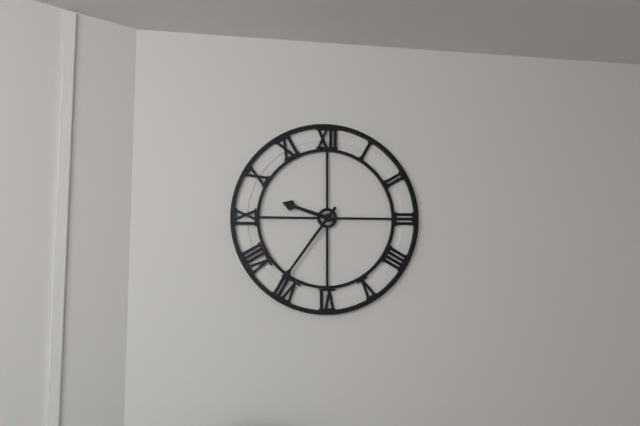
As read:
h=9 m=36
